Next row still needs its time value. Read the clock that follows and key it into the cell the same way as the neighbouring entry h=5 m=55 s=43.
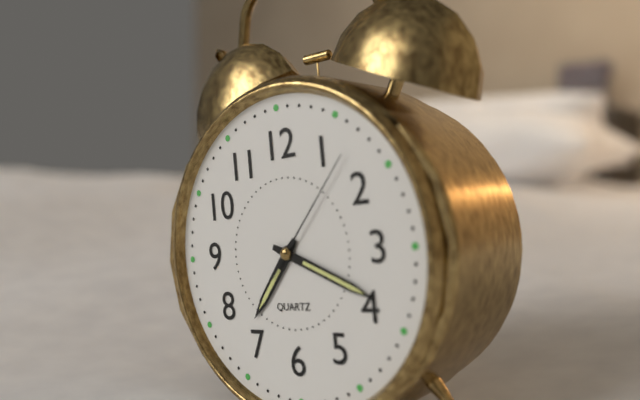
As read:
h=7 m=19 s=7
